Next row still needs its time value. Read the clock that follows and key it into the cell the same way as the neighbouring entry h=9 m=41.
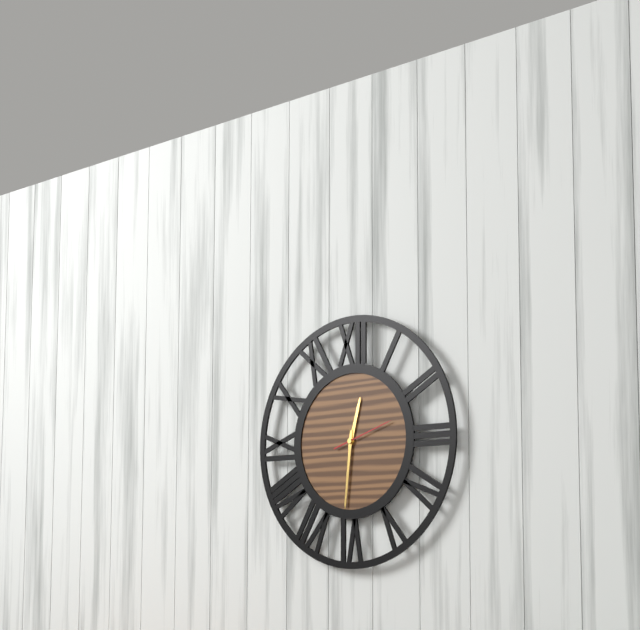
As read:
h=12 m=31
